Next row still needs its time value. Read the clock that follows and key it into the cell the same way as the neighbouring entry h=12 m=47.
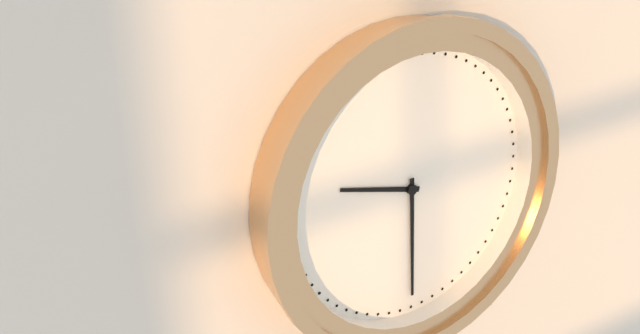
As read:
h=9 m=30
